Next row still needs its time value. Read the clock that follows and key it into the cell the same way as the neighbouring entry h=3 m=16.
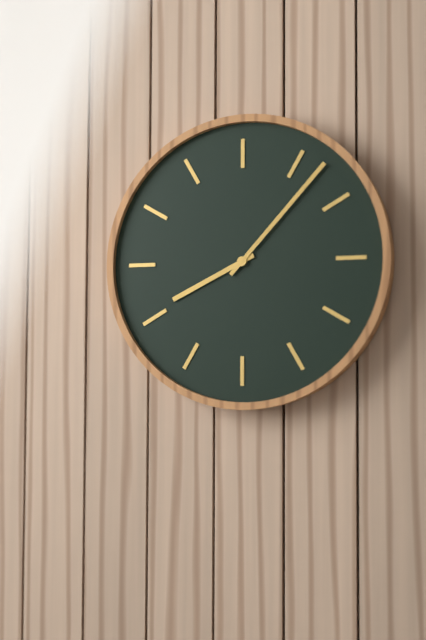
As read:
h=8 m=7
